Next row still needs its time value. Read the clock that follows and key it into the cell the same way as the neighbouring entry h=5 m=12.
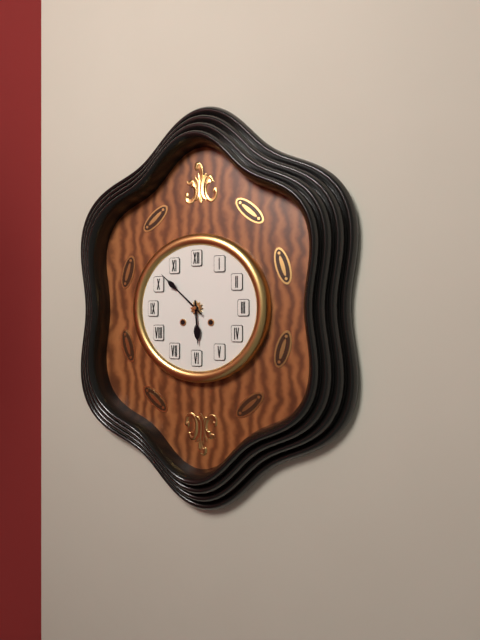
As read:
h=5 m=52
